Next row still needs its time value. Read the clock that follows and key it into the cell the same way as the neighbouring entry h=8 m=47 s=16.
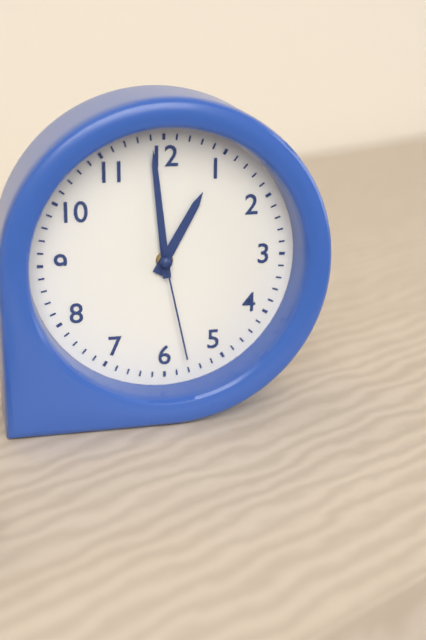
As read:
h=12 m=59 s=28
